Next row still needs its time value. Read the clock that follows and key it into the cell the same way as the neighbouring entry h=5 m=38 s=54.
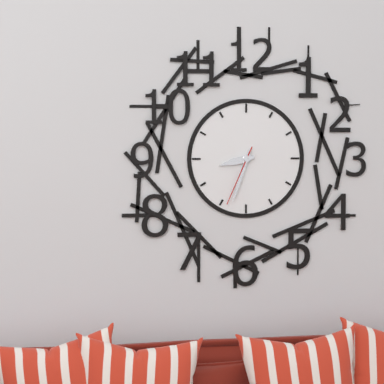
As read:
h=8 m=33 s=34
